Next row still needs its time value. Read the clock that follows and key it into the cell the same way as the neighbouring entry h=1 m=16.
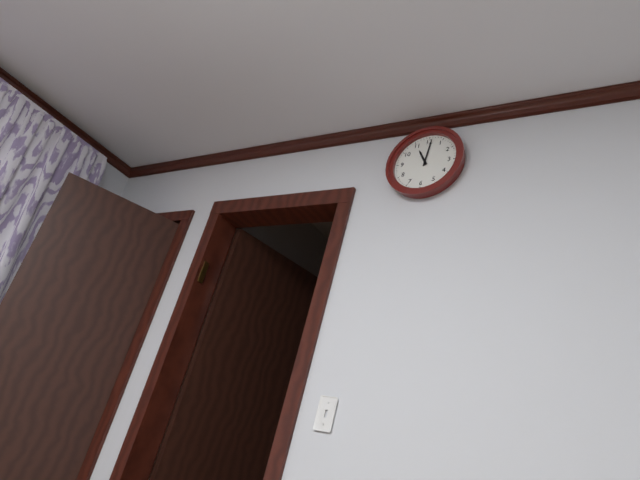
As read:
h=11 m=1
